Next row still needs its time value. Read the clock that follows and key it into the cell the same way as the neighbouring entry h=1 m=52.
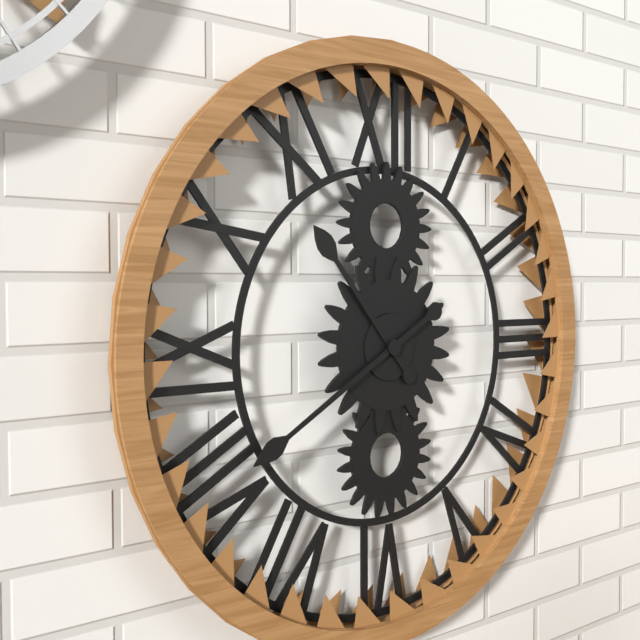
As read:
h=10 m=40
